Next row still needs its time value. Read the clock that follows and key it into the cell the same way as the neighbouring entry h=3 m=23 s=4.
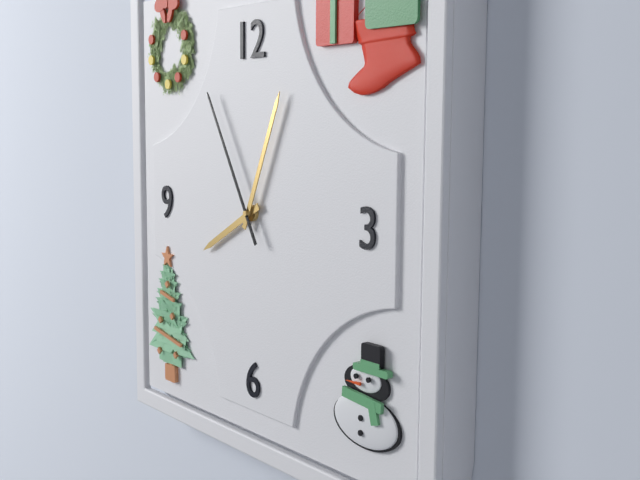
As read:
h=8 m=4 s=55
